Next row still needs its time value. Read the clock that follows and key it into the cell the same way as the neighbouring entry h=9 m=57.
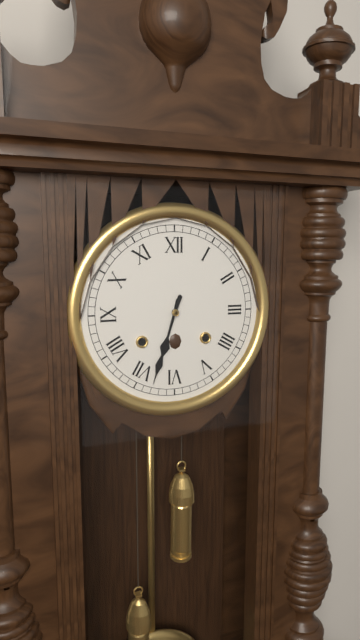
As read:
h=6 m=33
